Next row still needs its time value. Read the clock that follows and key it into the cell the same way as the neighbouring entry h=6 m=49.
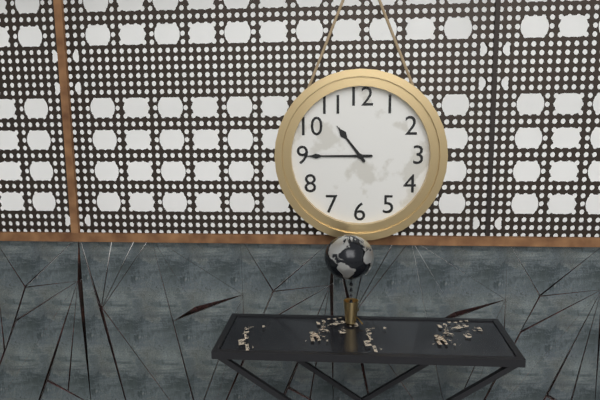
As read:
h=10 m=45
